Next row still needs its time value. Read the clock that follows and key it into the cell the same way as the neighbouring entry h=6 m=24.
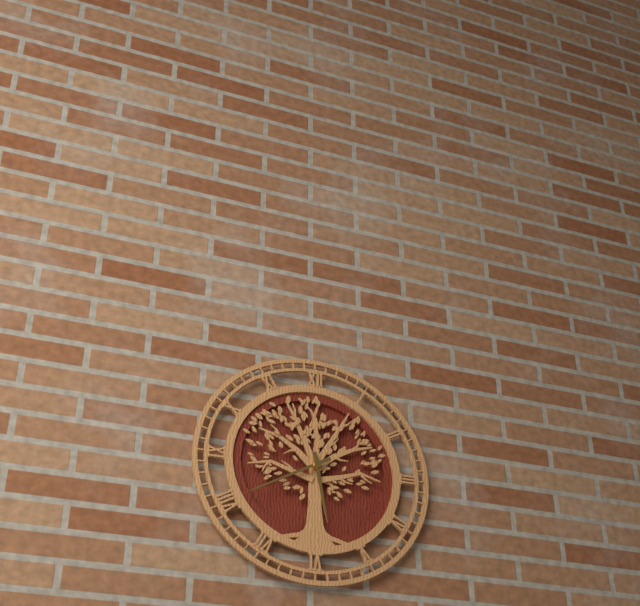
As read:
h=5 m=40
